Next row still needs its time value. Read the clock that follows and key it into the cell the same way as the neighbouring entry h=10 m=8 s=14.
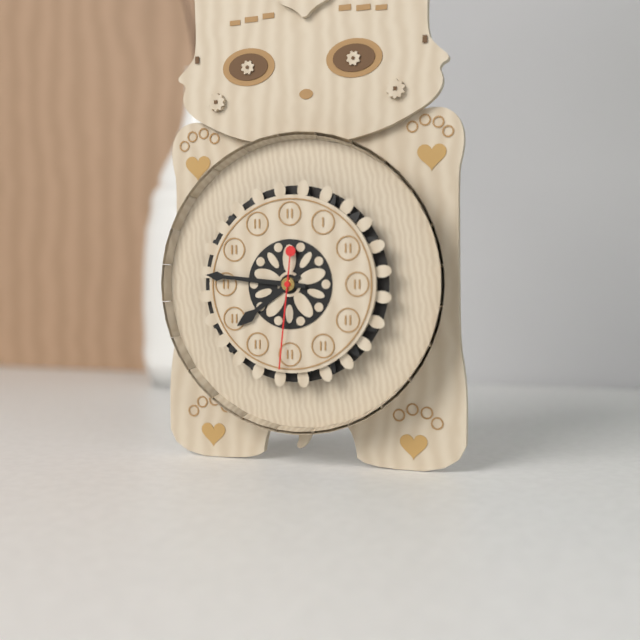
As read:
h=7 m=46 s=31
